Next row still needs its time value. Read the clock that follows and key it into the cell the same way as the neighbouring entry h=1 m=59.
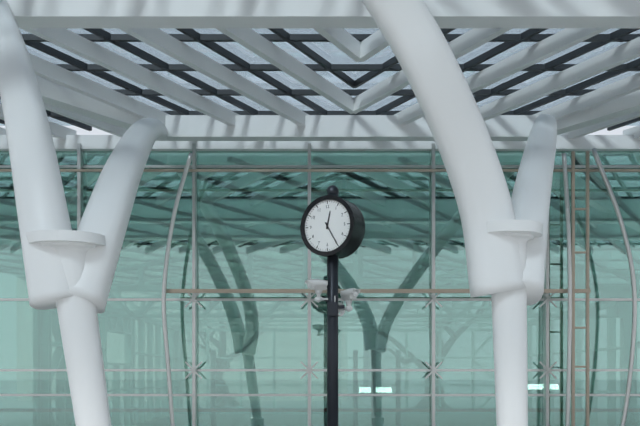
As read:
h=12 m=25
